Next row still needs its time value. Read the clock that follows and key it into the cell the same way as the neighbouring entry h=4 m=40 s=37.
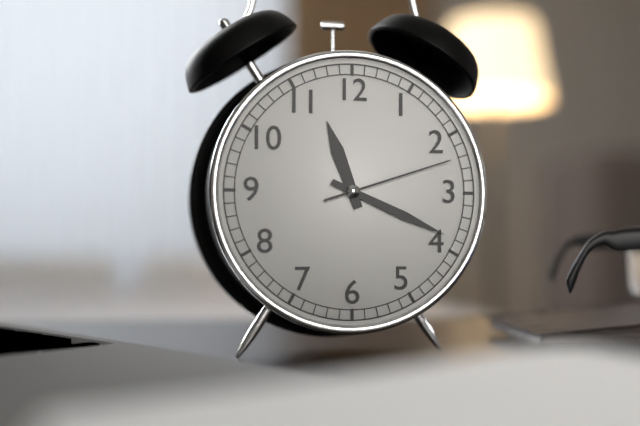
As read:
h=11 m=19 s=12
